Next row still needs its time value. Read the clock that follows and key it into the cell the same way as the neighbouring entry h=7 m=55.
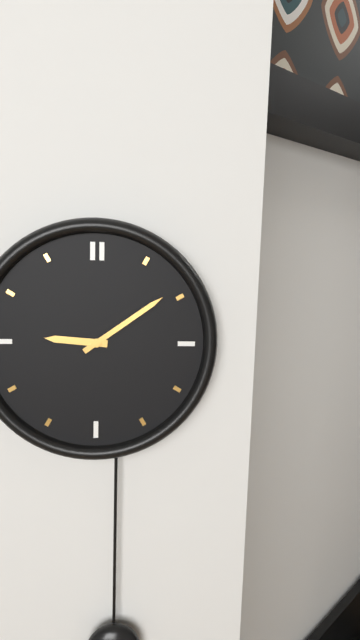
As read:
h=9 m=9
